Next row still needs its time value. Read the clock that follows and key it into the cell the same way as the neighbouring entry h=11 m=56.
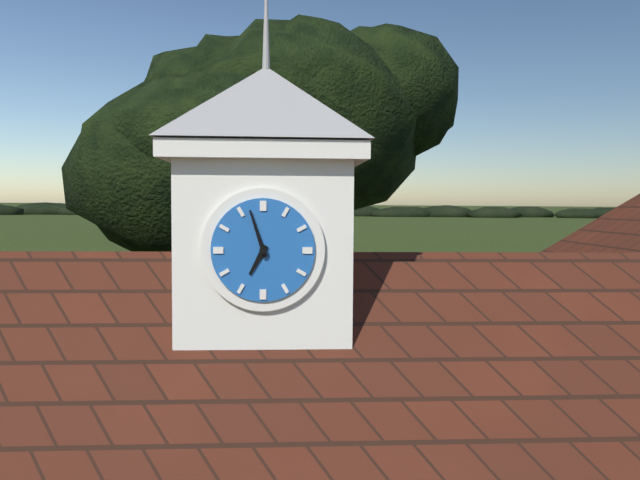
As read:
h=6 m=57
